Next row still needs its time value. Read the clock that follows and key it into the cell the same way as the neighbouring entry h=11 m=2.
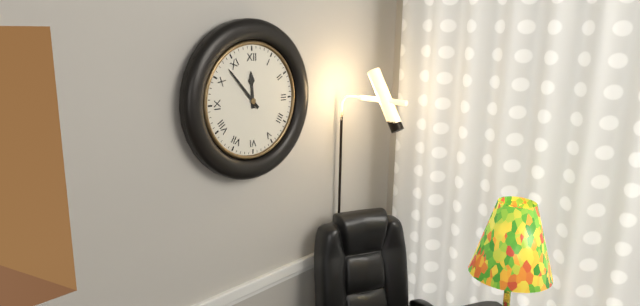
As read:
h=11 m=53
